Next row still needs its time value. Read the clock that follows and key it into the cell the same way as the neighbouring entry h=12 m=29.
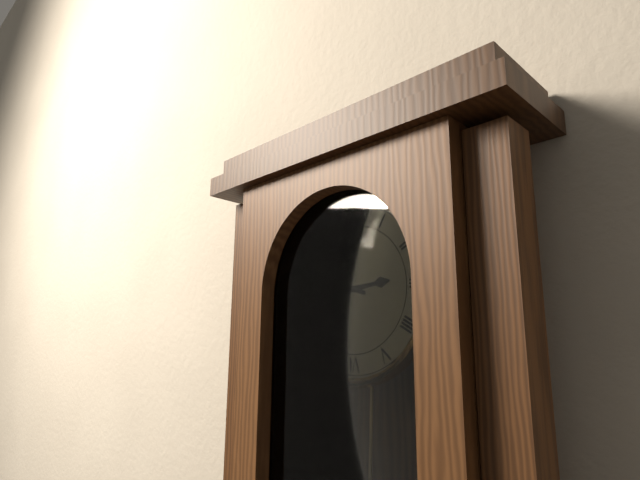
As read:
h=2 m=48
